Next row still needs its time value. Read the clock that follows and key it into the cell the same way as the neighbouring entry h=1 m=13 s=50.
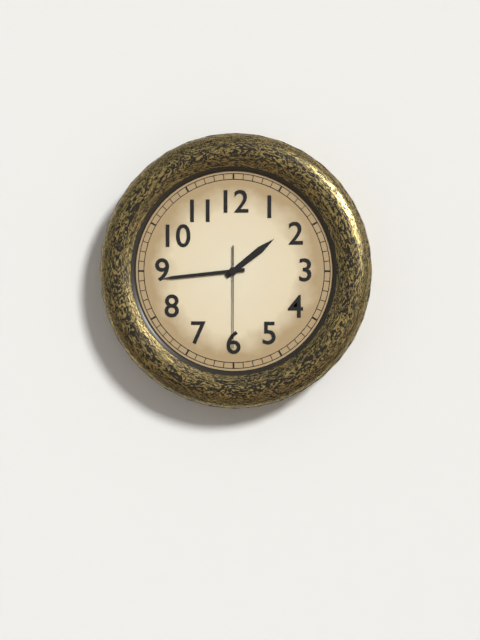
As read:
h=1 m=44 s=30
